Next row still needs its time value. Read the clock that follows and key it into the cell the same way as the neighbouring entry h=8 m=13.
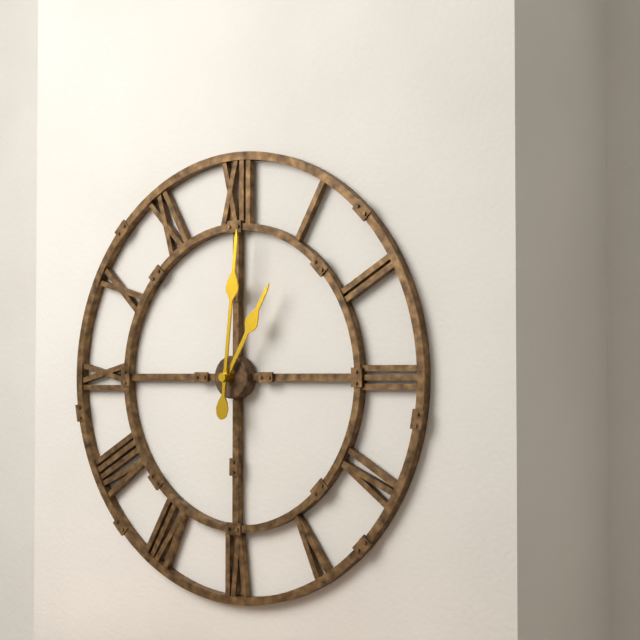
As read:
h=1 m=1
